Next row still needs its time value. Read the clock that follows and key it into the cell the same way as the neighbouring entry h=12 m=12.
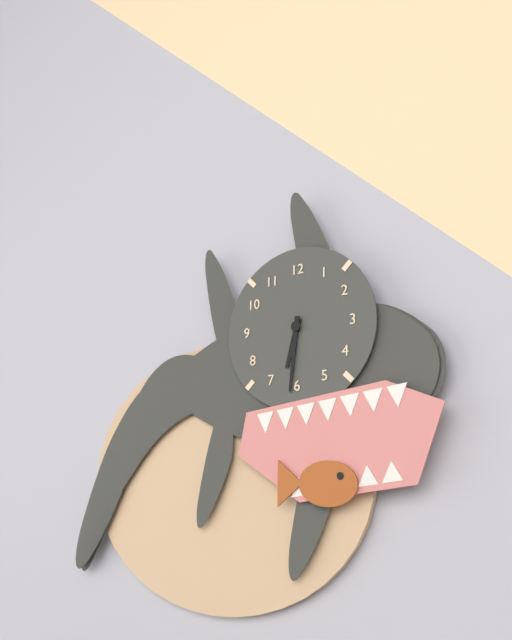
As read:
h=6 m=31
